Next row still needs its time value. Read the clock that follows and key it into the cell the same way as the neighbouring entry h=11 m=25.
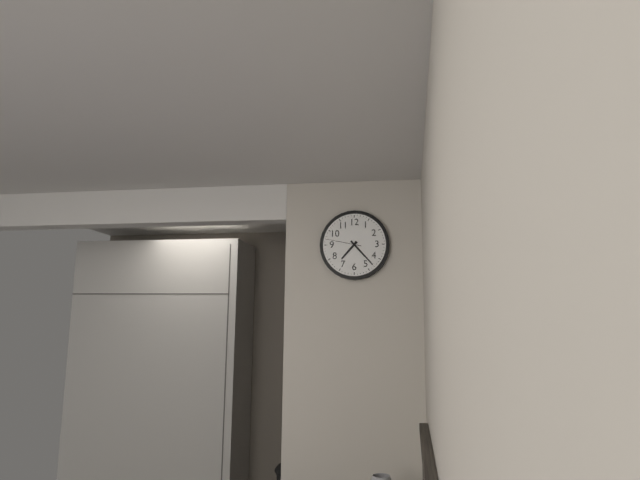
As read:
h=7 m=23
